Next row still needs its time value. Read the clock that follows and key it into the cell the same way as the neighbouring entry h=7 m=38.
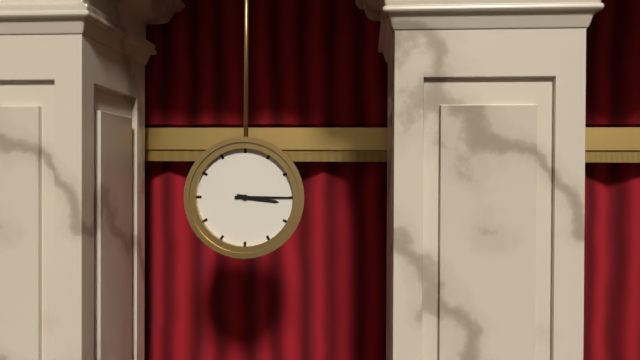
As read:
h=3 m=15
